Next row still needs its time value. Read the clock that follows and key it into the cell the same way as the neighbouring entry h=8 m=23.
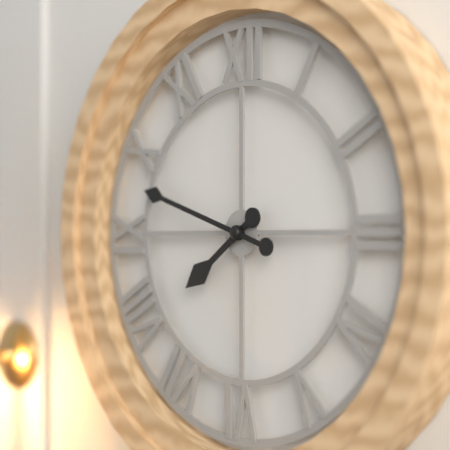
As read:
h=7 m=48
